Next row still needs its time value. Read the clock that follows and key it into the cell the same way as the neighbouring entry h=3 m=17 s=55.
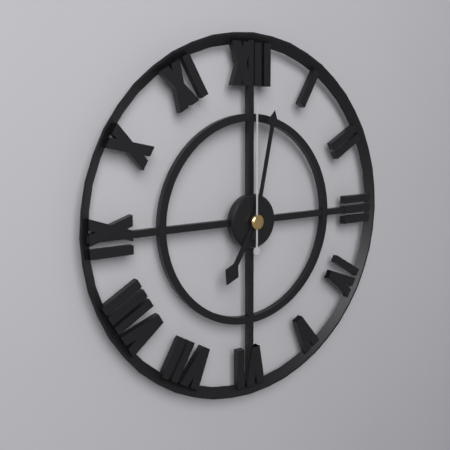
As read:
h=7 m=2 s=0
